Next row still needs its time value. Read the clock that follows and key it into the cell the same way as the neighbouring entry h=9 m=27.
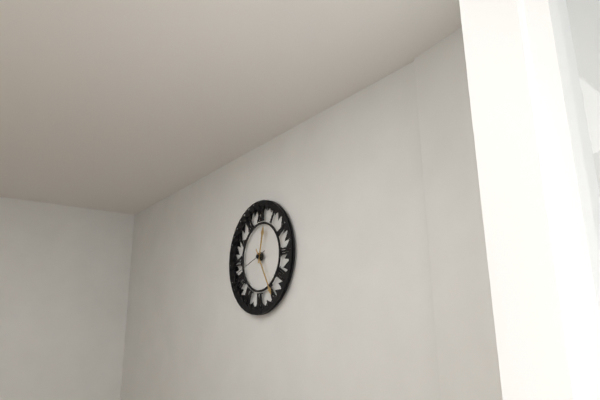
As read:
h=12 m=25
